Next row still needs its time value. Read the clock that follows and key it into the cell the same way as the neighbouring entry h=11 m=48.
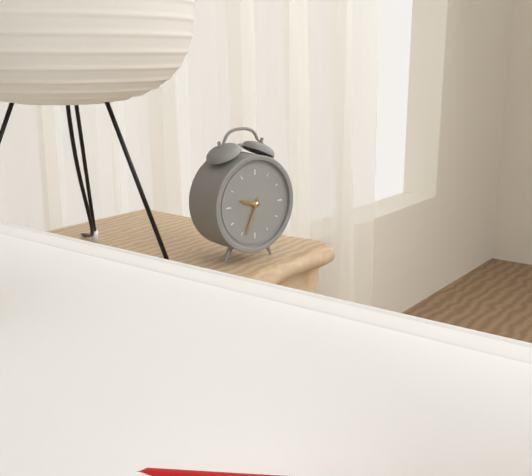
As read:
h=9 m=34
